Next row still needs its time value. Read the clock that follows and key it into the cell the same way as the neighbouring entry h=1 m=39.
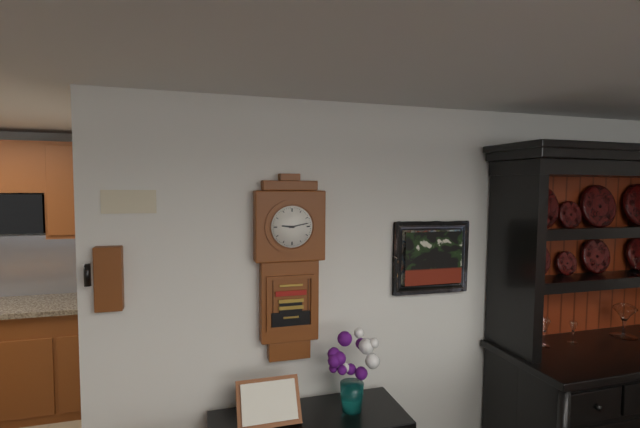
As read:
h=9 m=13
